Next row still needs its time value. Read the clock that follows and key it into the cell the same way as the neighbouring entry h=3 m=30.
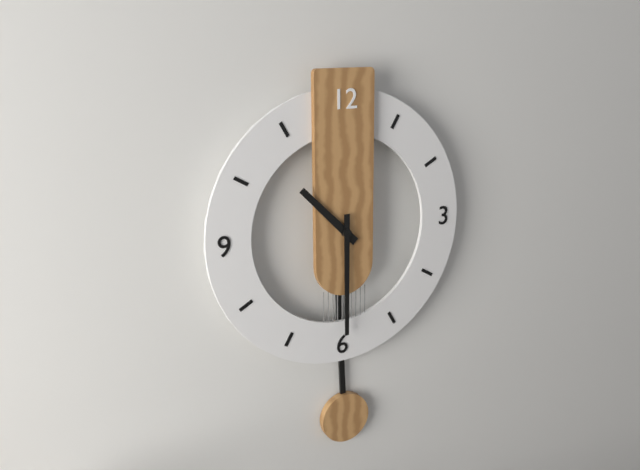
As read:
h=10 m=30
